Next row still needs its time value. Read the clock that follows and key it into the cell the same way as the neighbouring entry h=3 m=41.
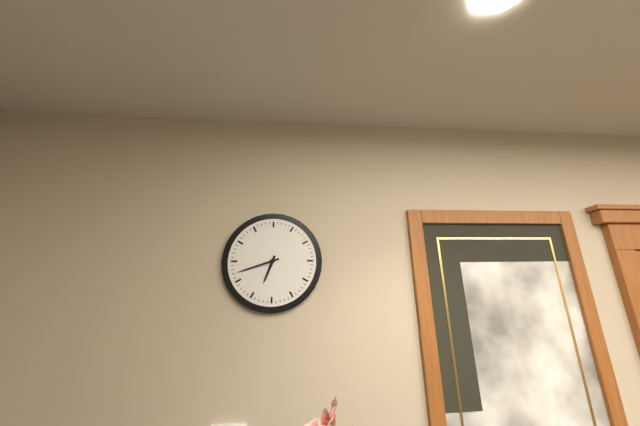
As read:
h=6 m=42
